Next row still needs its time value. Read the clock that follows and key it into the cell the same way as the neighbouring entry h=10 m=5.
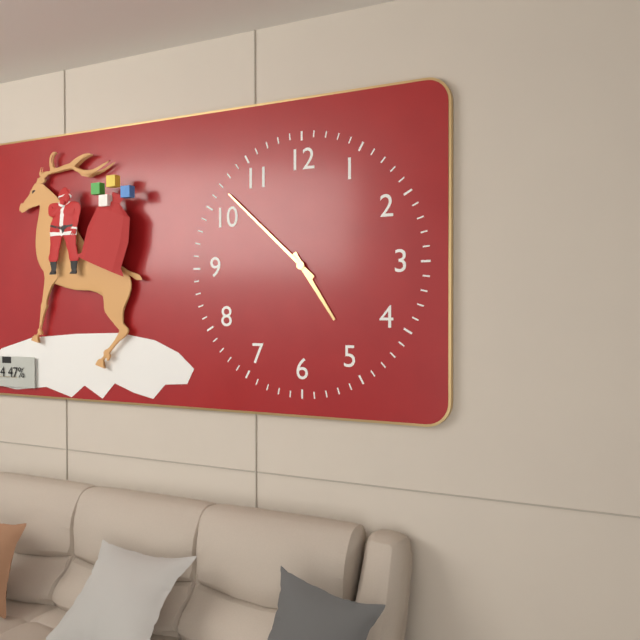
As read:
h=4 m=52
